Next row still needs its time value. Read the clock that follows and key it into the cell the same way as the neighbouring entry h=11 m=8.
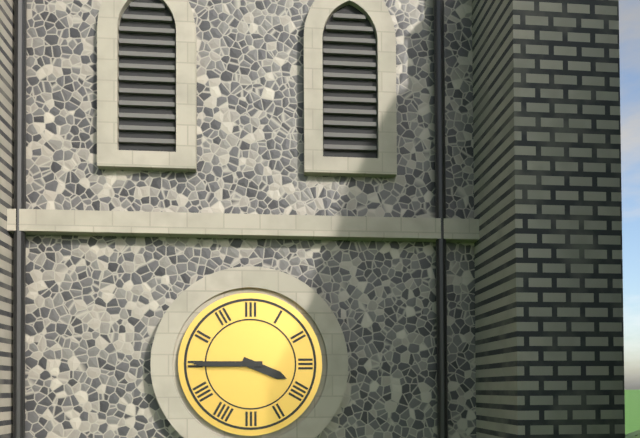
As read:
h=3 m=45
